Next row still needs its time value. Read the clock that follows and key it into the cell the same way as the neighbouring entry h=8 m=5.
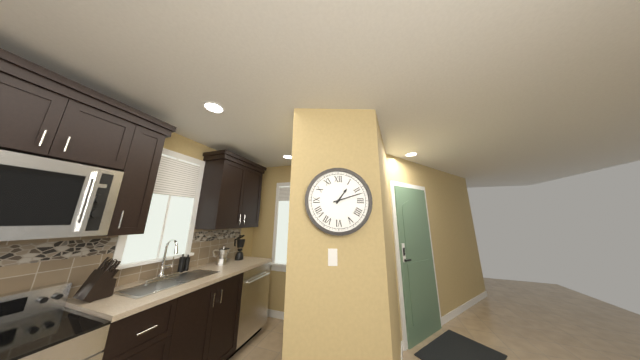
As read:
h=1 m=12
